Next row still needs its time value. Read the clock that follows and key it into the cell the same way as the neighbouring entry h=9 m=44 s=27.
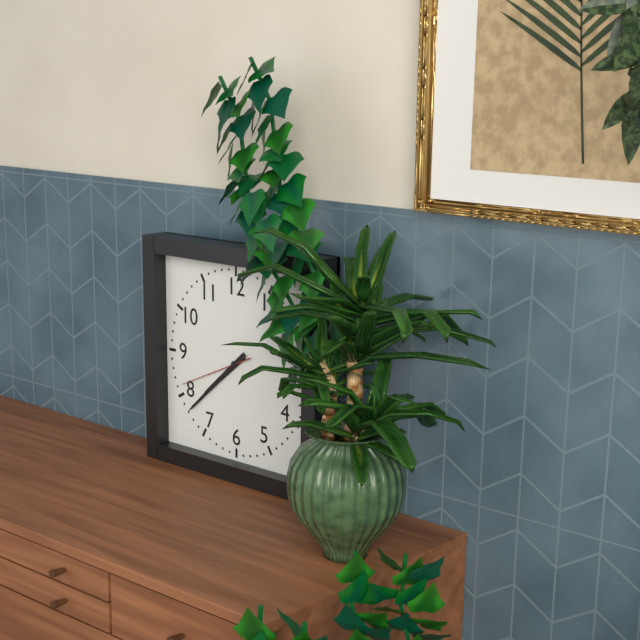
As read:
h=7 m=38 s=41
